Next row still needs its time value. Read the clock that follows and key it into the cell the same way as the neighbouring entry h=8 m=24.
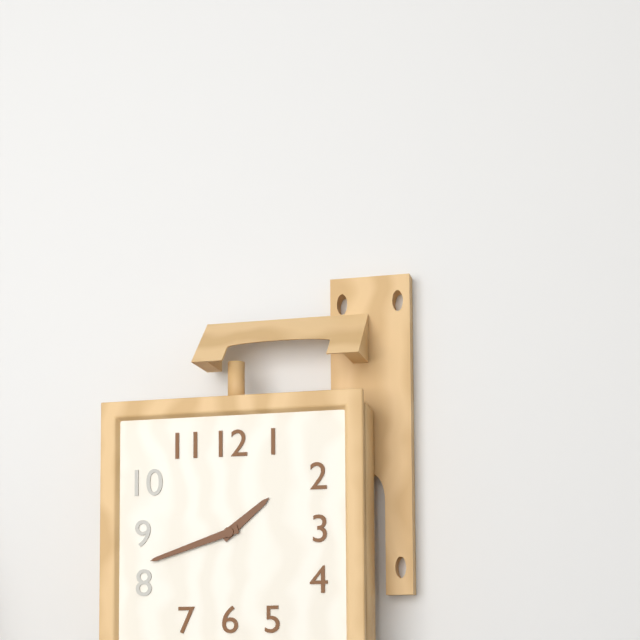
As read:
h=1 m=42
